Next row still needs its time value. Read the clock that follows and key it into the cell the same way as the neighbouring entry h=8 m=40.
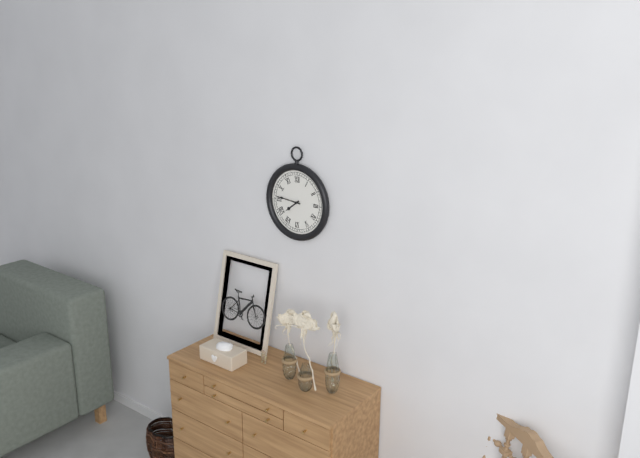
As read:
h=7 m=46
